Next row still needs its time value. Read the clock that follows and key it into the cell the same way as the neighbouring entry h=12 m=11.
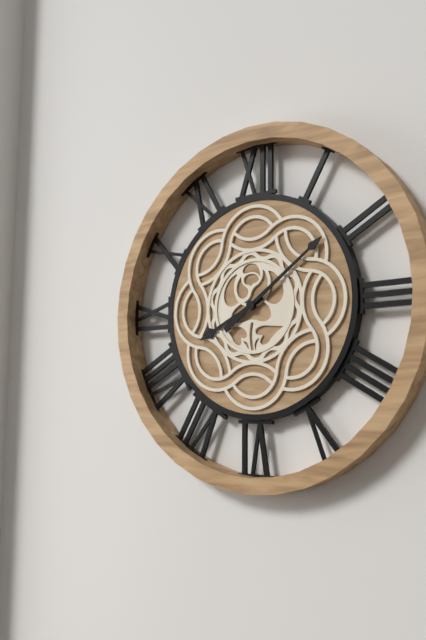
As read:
h=8 m=9
